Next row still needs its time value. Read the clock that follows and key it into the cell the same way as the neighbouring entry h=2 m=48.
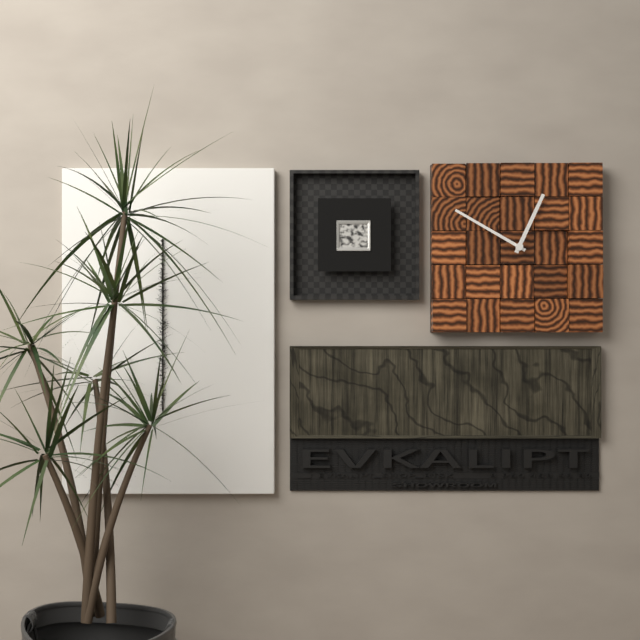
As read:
h=12 m=50
